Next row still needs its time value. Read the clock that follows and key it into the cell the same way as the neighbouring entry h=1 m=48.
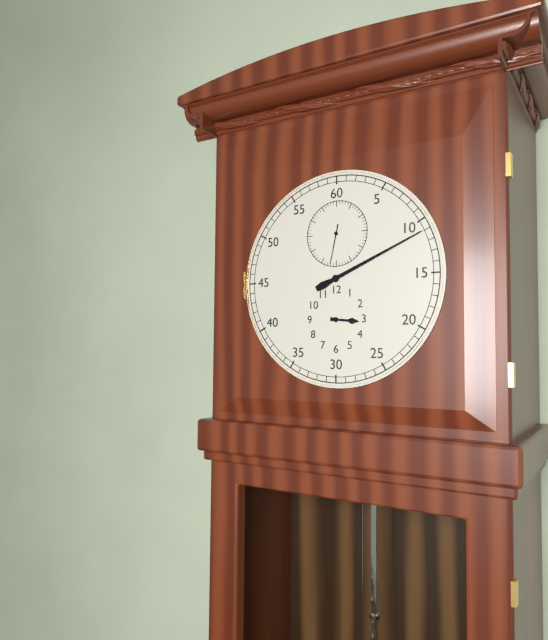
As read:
h=3 m=11
